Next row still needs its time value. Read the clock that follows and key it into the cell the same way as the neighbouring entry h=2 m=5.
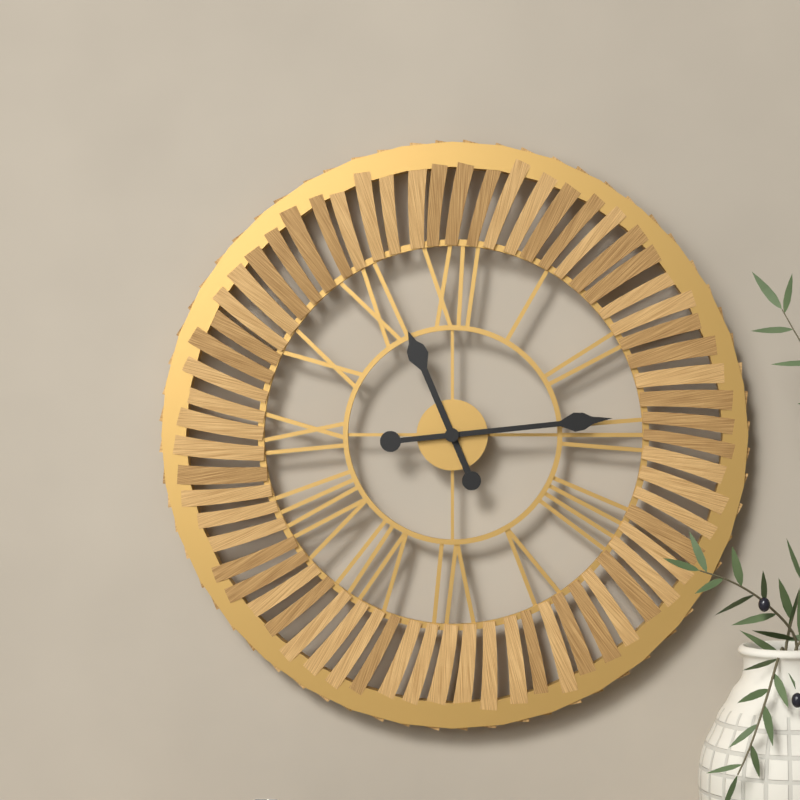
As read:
h=11 m=14
